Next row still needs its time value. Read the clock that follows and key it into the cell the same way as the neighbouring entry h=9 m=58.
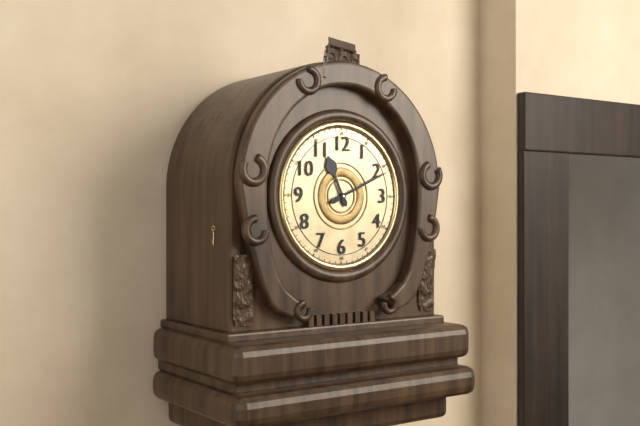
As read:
h=11 m=11
